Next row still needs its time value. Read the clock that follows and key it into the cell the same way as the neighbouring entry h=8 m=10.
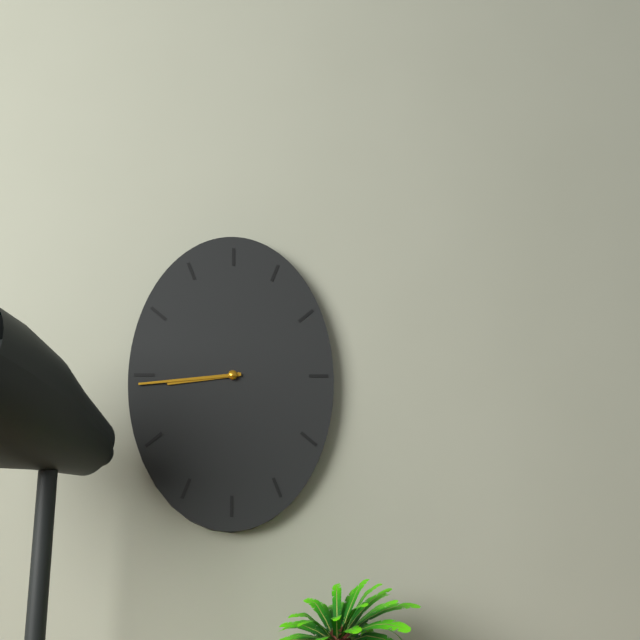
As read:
h=8 m=44
